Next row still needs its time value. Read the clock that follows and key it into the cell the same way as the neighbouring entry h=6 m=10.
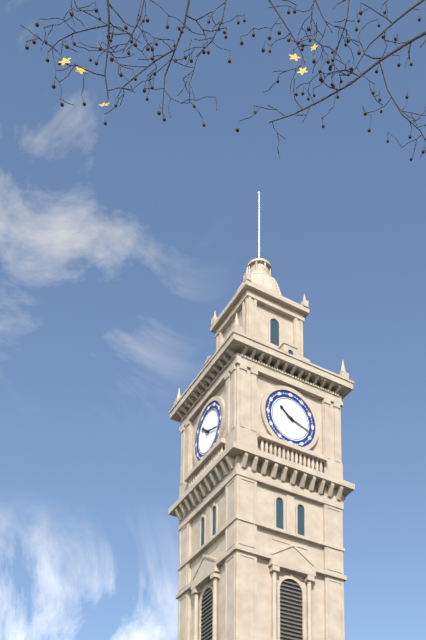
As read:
h=10 m=18
